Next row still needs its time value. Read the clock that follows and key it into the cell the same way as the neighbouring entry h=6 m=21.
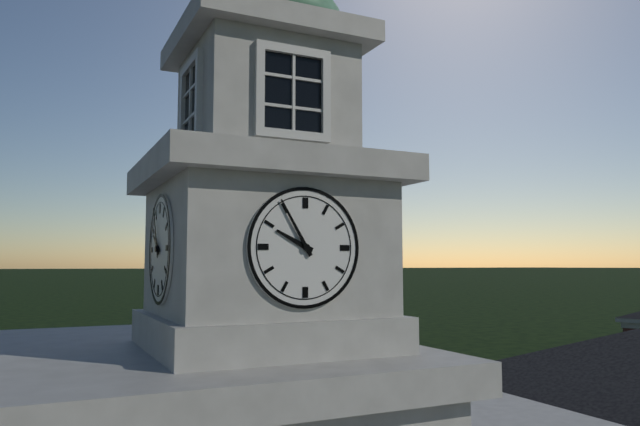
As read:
h=9 m=55
